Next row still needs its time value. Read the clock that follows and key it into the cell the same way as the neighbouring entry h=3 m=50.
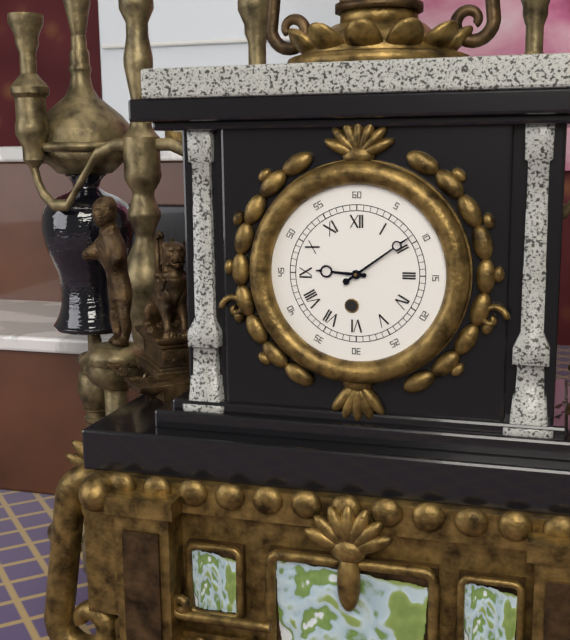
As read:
h=9 m=9
